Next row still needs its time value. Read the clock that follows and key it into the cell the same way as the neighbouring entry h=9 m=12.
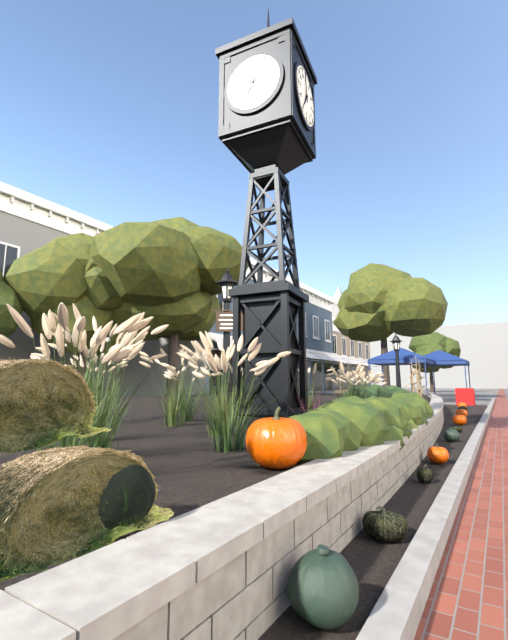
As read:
h=6 m=58
